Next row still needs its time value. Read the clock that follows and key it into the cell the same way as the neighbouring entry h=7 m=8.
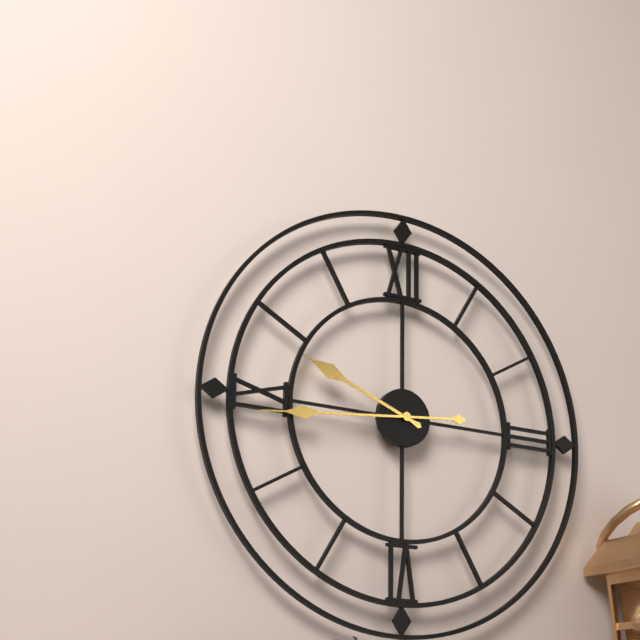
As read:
h=9 m=44
